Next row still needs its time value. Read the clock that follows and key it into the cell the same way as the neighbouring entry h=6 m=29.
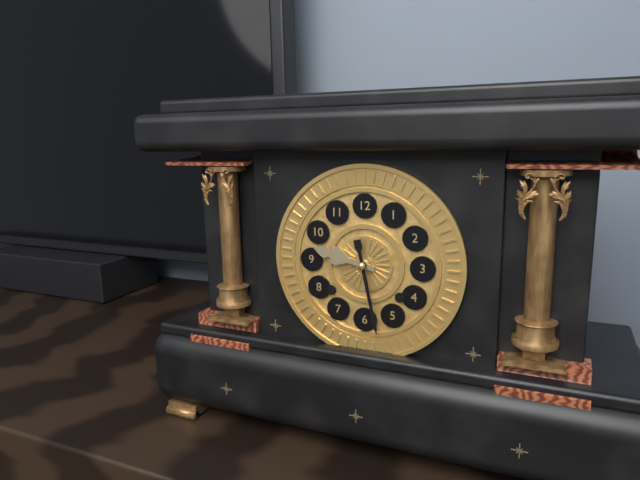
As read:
h=9 m=28
